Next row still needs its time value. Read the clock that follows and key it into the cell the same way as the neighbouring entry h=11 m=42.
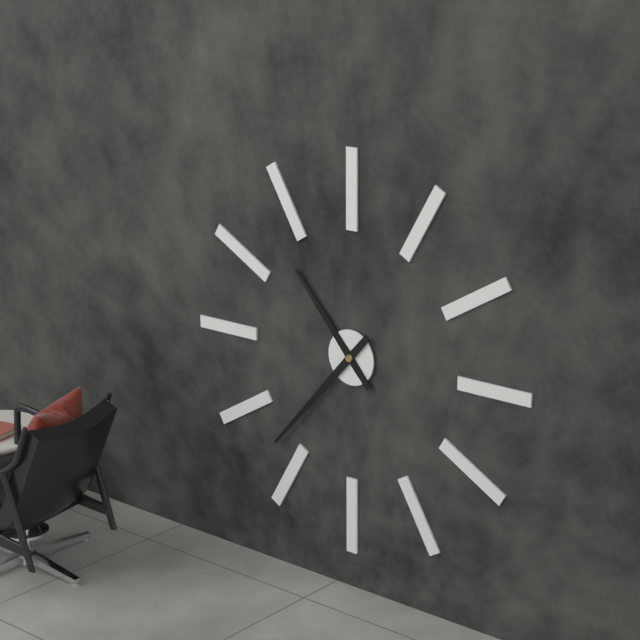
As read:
h=10 m=37
